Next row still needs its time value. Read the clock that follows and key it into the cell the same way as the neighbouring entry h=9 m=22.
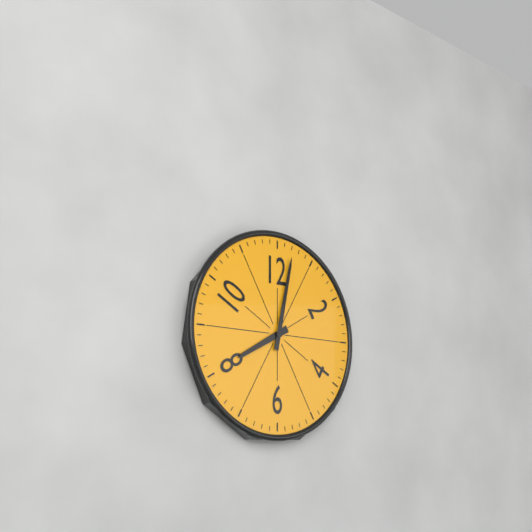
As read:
h=8 m=2
